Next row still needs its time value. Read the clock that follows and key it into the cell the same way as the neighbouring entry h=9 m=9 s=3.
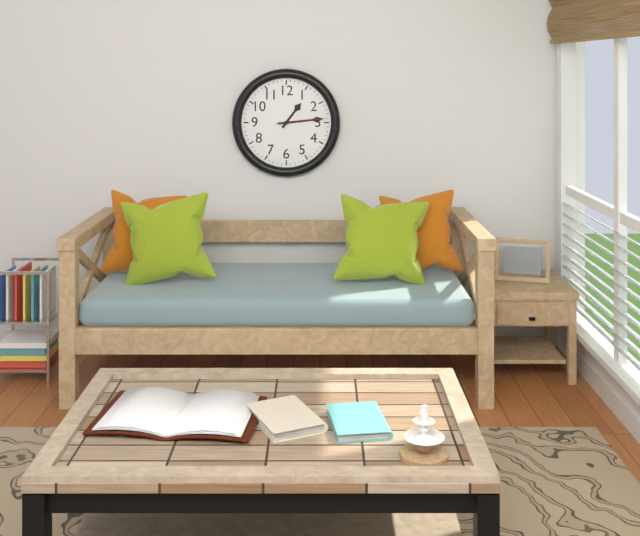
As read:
h=1 m=14 s=14
